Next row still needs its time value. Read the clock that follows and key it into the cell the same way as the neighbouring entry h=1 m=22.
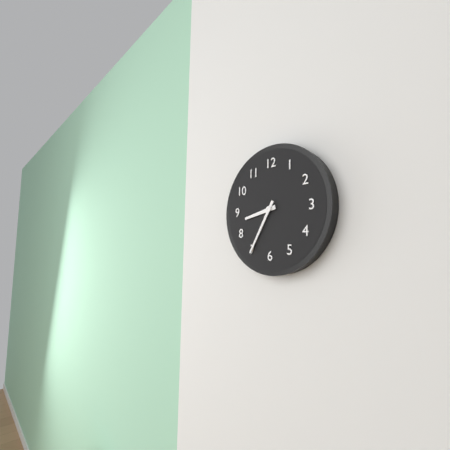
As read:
h=8 m=35
